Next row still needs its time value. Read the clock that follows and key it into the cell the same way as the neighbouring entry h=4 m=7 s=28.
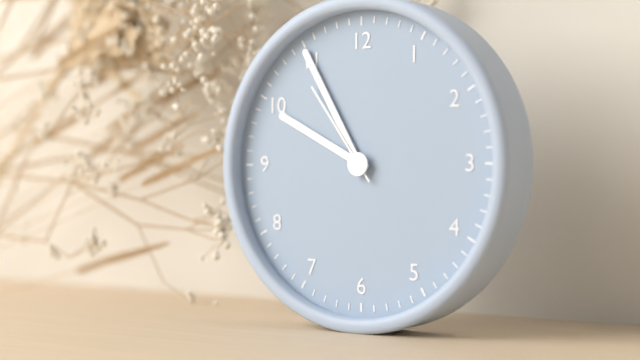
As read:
h=9 m=55 s=54
